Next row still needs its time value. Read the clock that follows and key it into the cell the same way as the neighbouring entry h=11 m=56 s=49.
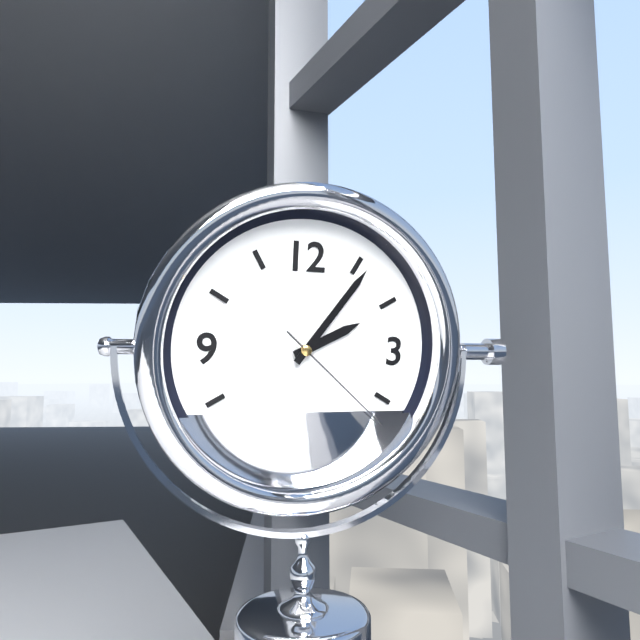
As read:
h=2 m=6 s=22
